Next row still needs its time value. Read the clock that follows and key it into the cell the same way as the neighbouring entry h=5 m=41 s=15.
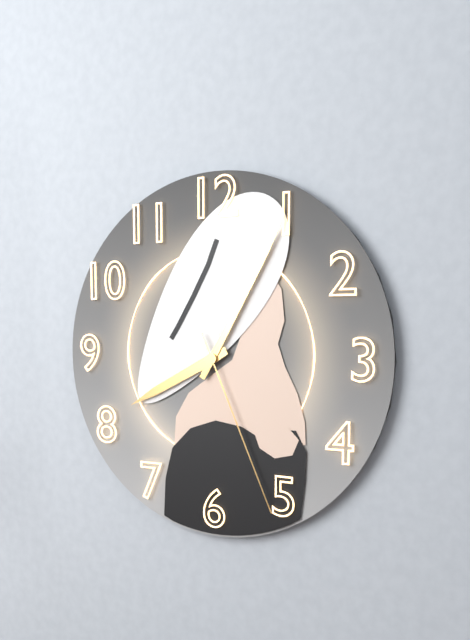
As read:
h=8 m=5 s=26
